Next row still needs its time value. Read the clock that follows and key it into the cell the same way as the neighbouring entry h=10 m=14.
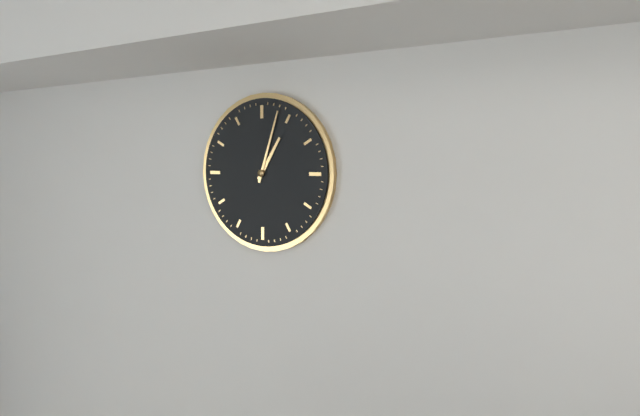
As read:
h=1 m=3
